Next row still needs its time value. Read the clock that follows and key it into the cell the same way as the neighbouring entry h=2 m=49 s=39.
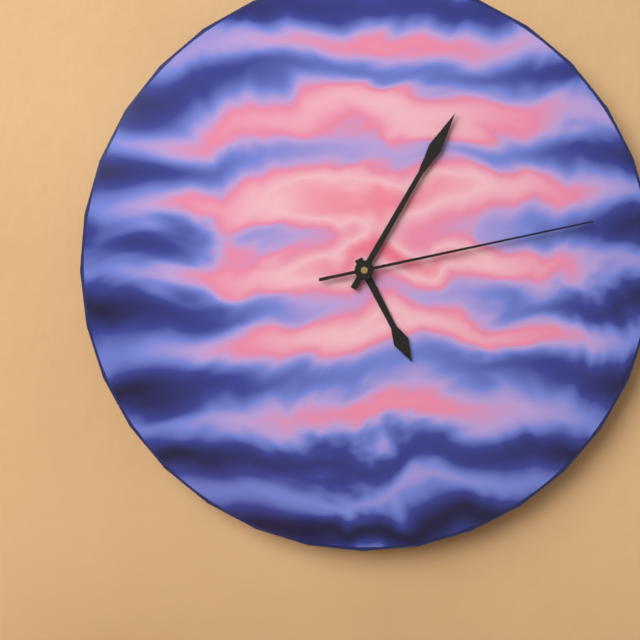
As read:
h=5 m=5 s=13
